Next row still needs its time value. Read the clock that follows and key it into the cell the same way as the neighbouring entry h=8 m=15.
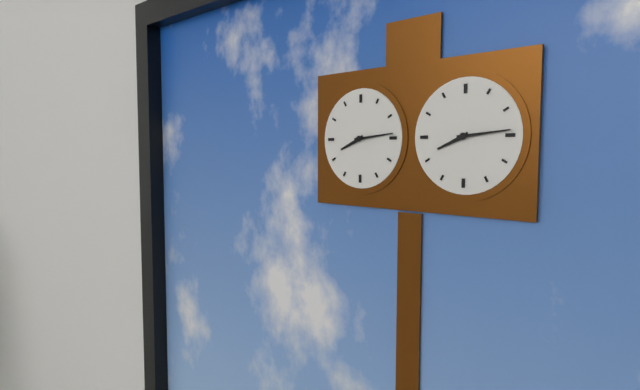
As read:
h=8 m=14
